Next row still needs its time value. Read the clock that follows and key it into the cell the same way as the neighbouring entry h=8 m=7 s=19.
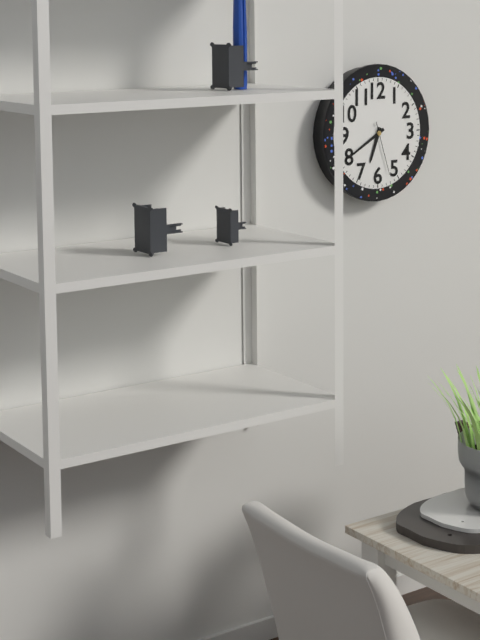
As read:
h=6 m=40 s=27
